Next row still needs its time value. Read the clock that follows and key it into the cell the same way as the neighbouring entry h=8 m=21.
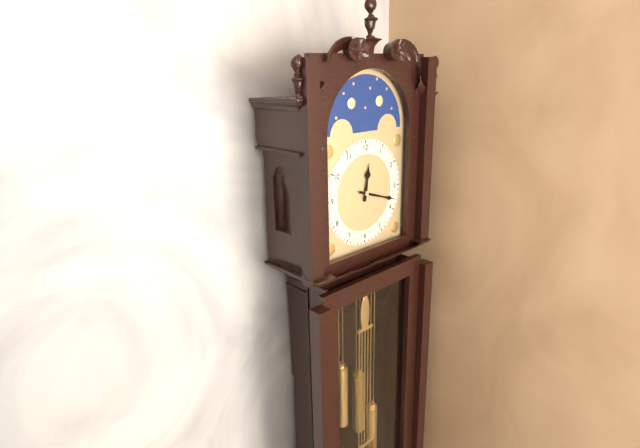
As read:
h=12 m=18
